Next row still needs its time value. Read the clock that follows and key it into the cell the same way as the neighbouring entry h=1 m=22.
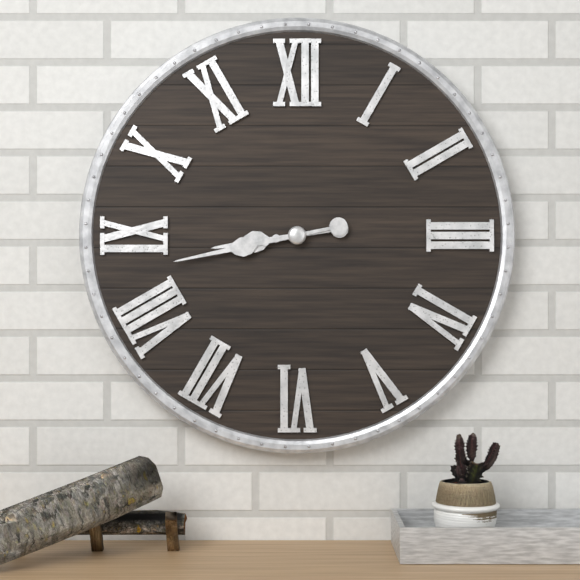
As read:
h=8 m=43
